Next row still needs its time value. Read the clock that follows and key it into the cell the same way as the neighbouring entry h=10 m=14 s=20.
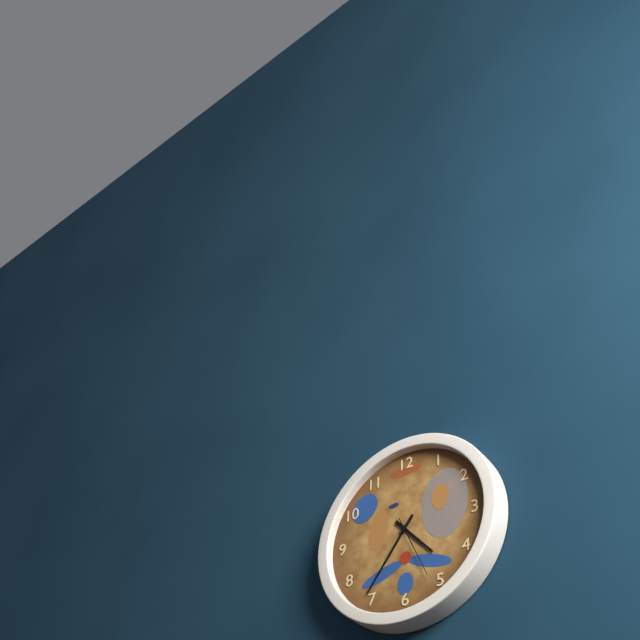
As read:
h=4 m=36 s=26
